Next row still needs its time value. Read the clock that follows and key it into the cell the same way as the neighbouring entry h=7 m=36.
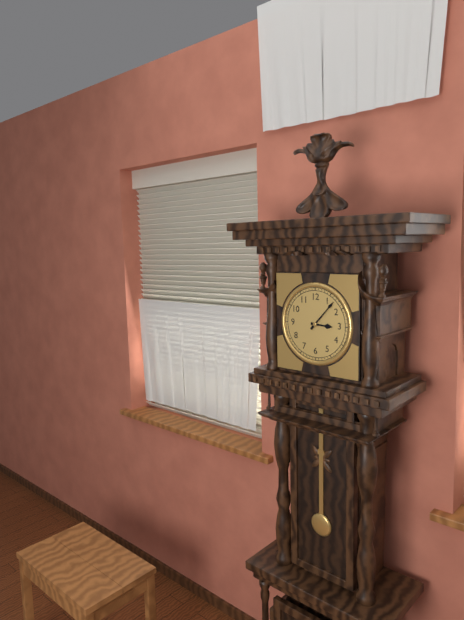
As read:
h=3 m=7
